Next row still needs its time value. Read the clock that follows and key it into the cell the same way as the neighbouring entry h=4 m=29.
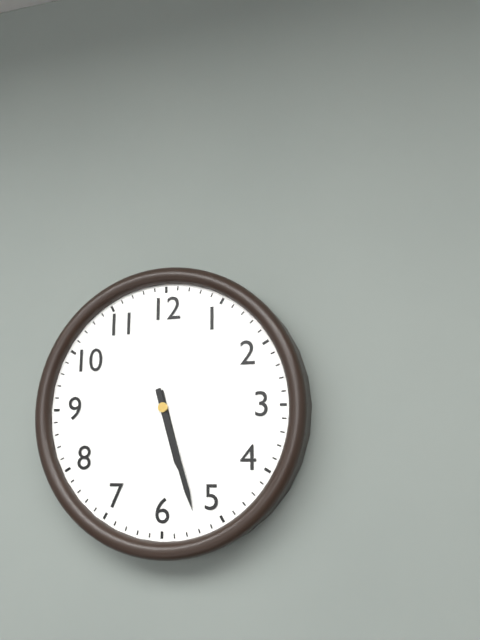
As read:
h=5 m=27
